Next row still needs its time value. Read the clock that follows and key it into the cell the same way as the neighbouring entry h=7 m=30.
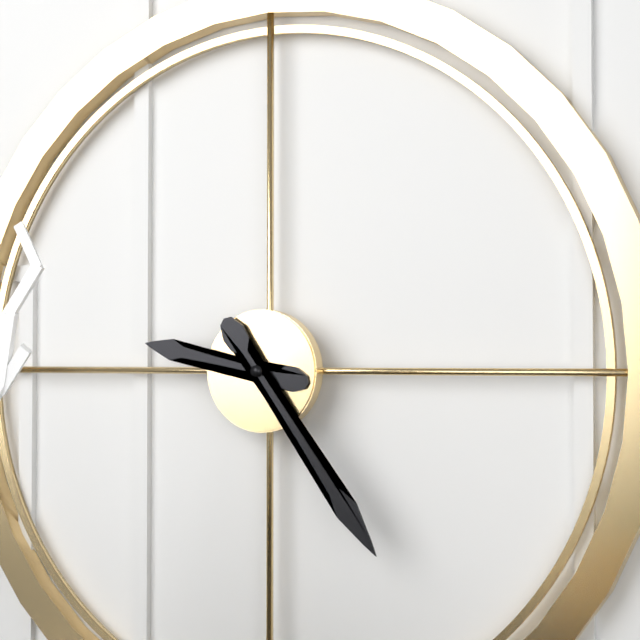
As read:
h=9 m=24
